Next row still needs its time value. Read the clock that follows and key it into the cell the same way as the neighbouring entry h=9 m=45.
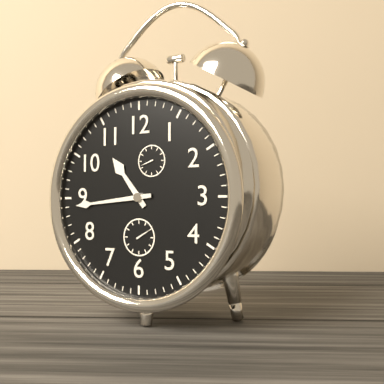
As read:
h=10 m=44
